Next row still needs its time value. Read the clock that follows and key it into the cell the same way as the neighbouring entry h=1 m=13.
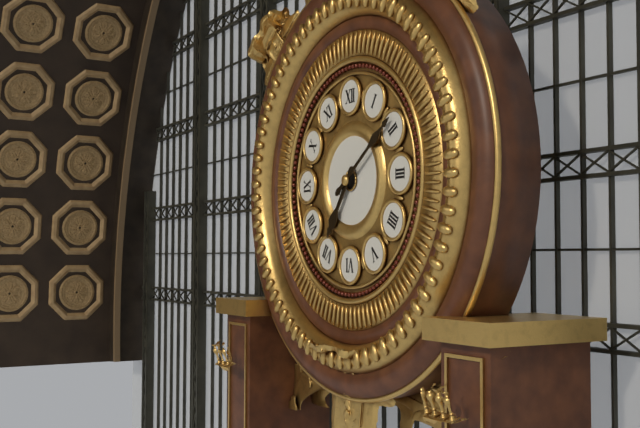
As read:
h=7 m=9
